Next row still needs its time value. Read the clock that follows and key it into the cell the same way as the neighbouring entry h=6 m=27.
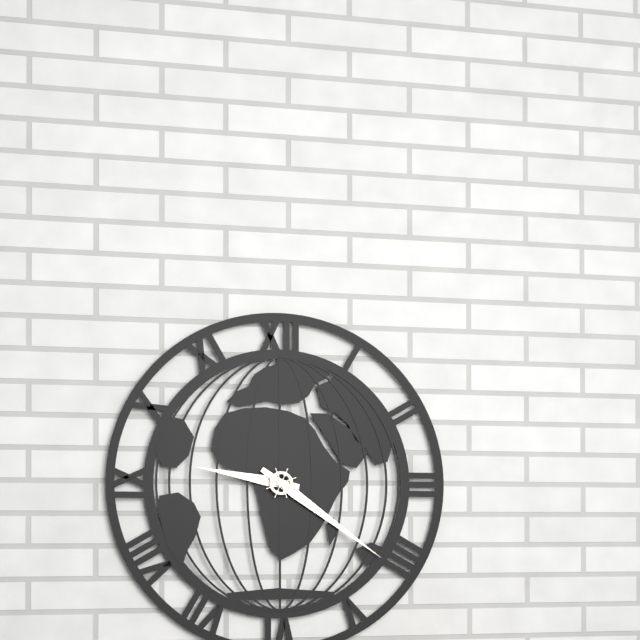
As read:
h=9 m=21
